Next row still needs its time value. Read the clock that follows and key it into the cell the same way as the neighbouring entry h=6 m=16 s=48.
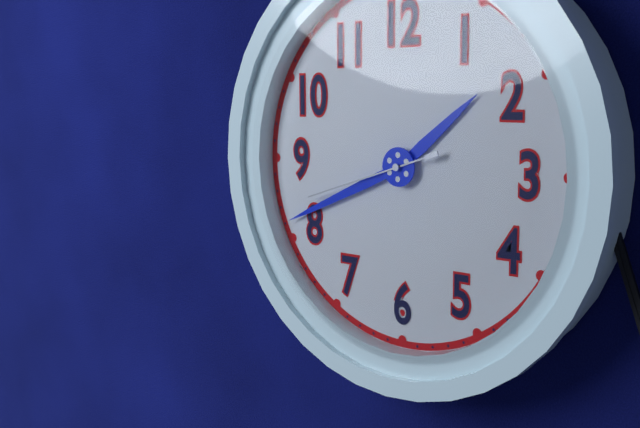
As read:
h=1 m=41 s=42
